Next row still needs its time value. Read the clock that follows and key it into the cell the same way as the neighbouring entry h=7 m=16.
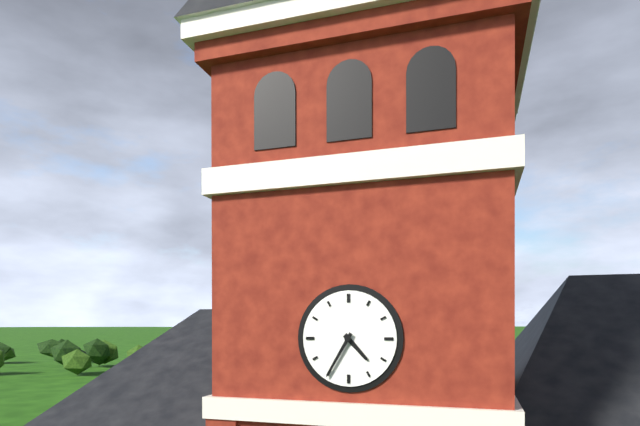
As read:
h=4 m=35
